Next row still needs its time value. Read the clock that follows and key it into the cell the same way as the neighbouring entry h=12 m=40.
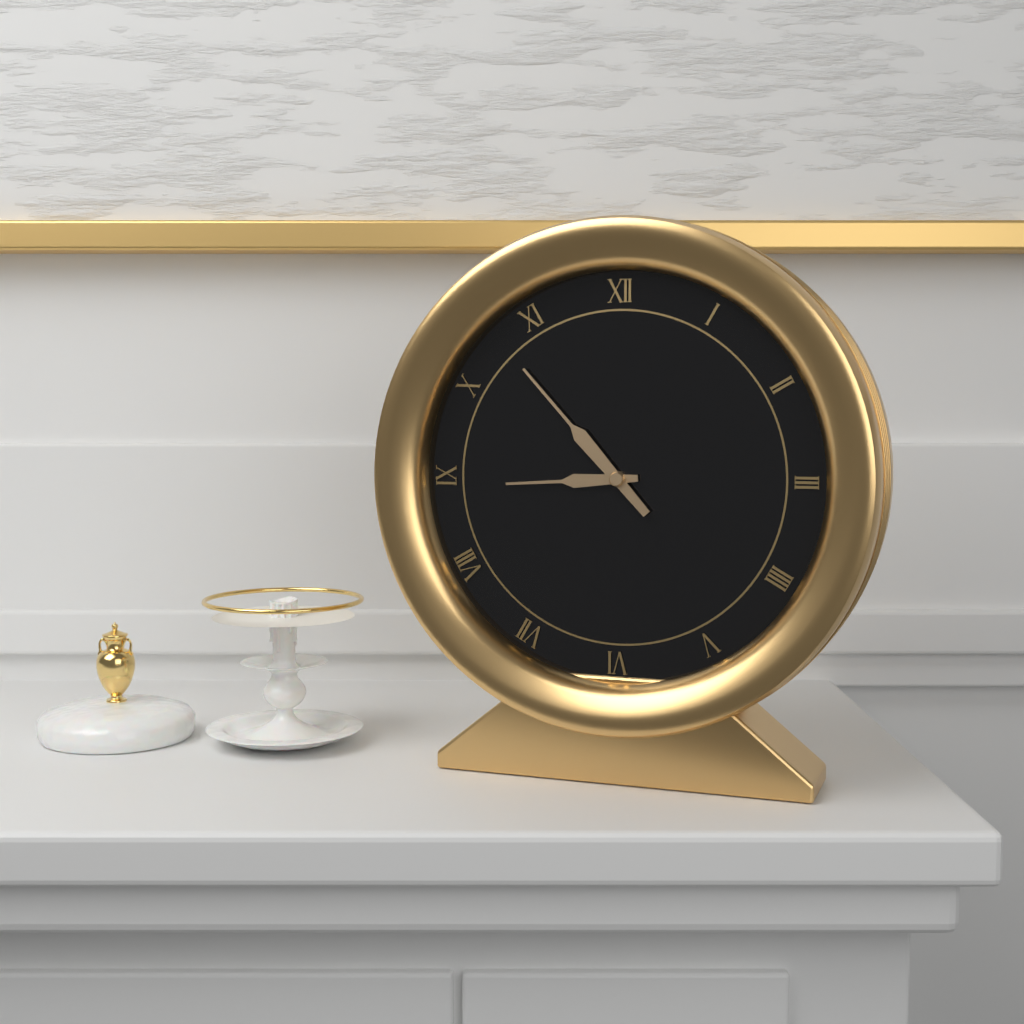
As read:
h=8 m=53
